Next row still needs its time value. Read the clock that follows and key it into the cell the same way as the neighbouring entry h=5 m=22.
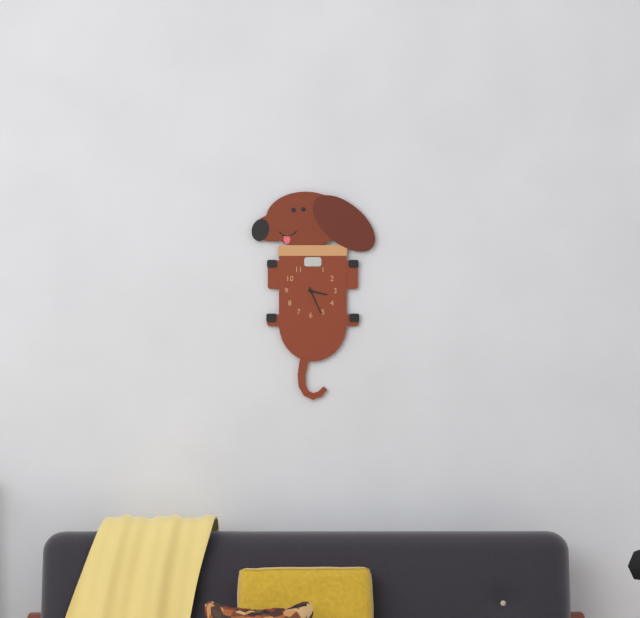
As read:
h=3 m=26
